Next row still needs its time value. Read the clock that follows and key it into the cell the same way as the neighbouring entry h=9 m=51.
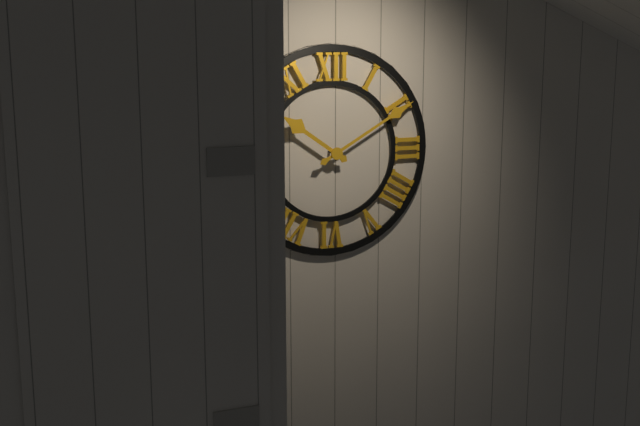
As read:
h=10 m=10
